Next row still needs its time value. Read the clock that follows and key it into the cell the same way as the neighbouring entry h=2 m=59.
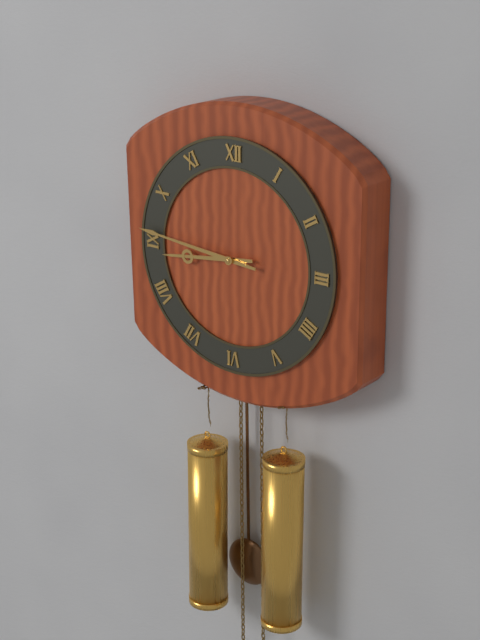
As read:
h=8 m=46
